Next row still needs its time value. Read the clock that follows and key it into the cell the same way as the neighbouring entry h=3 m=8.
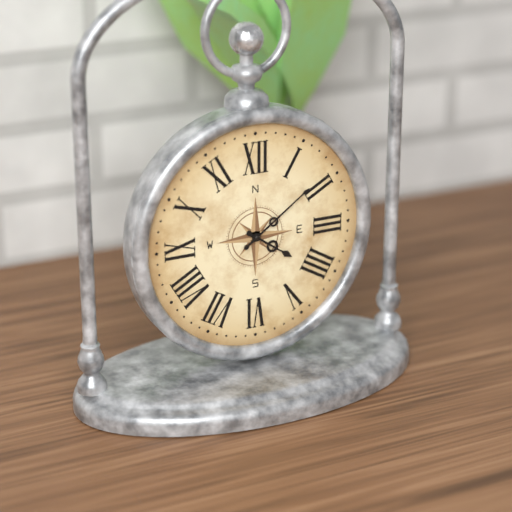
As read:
h=4 m=9
